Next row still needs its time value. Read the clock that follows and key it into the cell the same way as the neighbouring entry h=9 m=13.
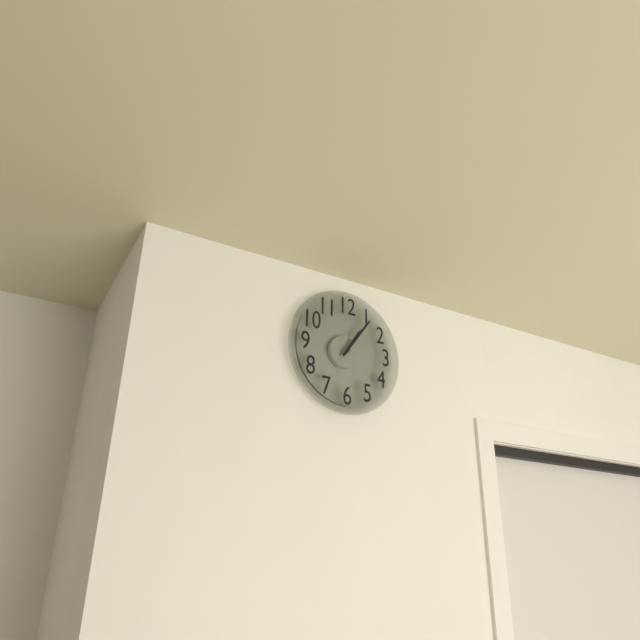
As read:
h=1 m=6
